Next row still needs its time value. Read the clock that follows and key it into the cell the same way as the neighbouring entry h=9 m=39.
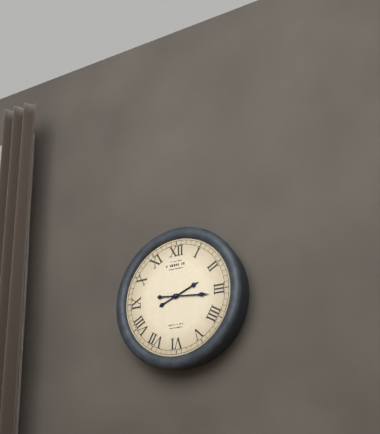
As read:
h=2 m=16
